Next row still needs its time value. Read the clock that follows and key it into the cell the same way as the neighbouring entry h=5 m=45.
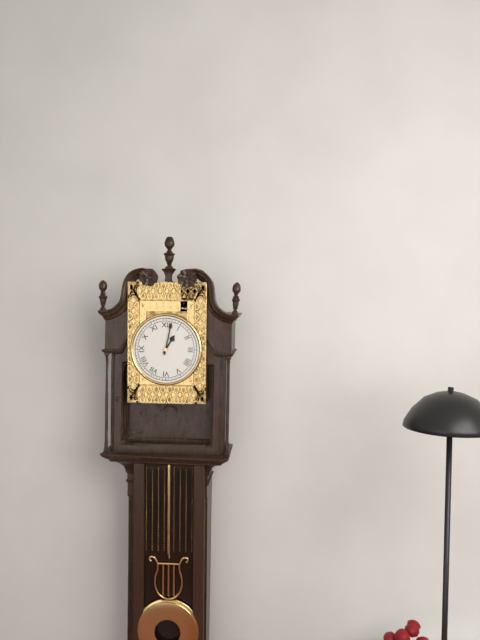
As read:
h=1 m=2
